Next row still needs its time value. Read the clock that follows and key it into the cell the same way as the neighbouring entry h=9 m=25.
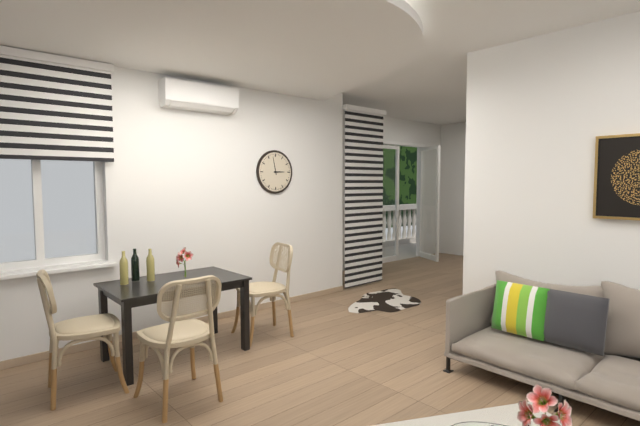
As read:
h=2 m=58
